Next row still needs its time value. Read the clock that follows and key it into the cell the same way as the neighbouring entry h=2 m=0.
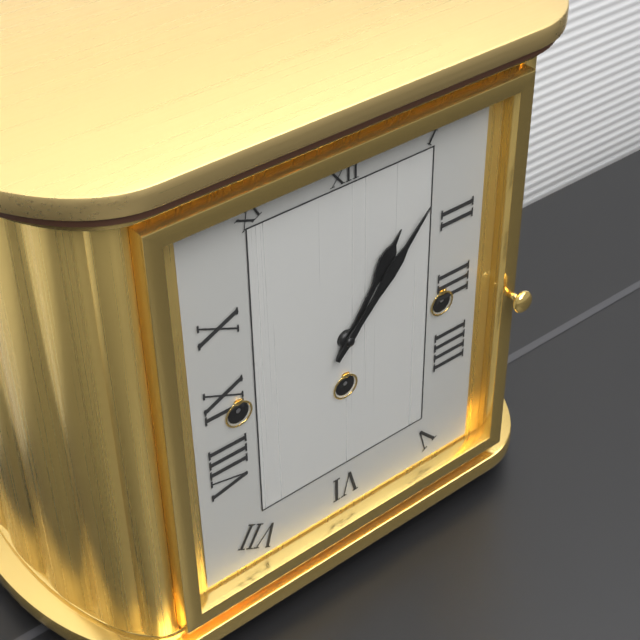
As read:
h=1 m=7
